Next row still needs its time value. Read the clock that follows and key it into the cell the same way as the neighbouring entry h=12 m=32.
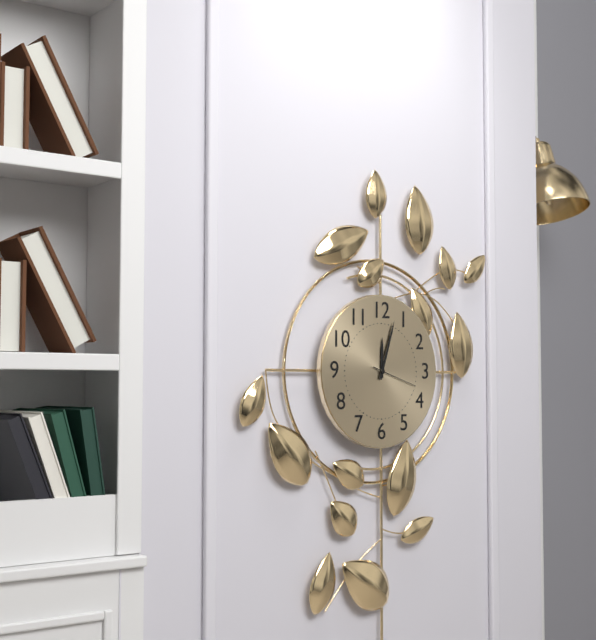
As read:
h=12 m=3
